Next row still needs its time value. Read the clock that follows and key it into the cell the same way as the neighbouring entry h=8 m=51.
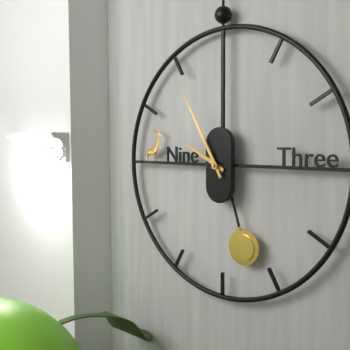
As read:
h=9 m=55
